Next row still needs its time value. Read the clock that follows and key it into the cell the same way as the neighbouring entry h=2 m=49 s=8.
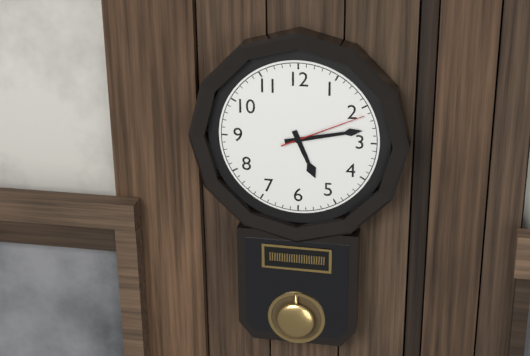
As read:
h=5 m=13 s=11
